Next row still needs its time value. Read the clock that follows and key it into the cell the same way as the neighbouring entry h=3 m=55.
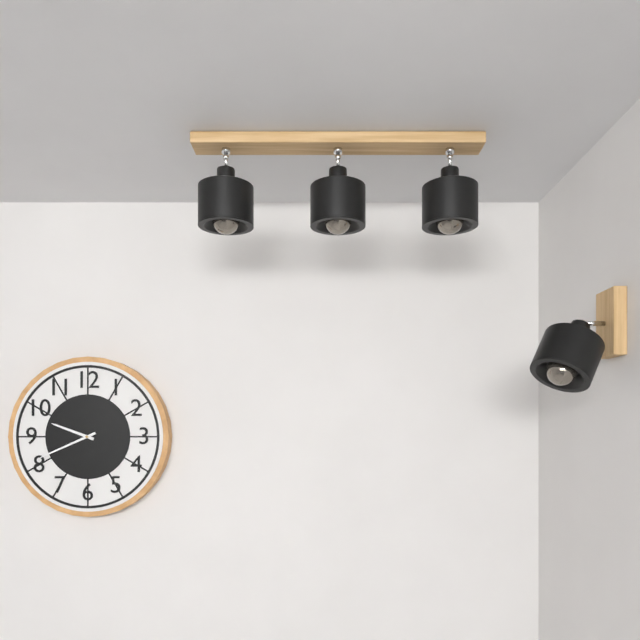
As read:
h=9 m=41
